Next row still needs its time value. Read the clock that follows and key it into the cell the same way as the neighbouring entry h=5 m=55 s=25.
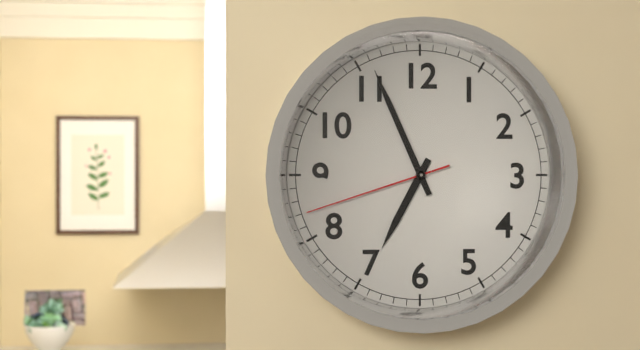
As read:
h=6 m=56 s=42
